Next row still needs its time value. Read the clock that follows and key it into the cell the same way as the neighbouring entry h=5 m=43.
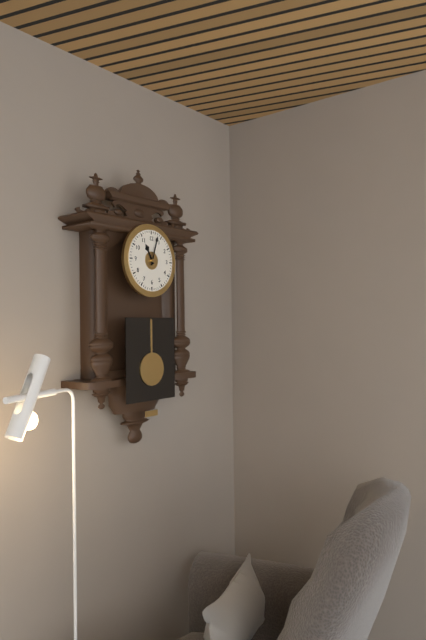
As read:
h=11 m=3
